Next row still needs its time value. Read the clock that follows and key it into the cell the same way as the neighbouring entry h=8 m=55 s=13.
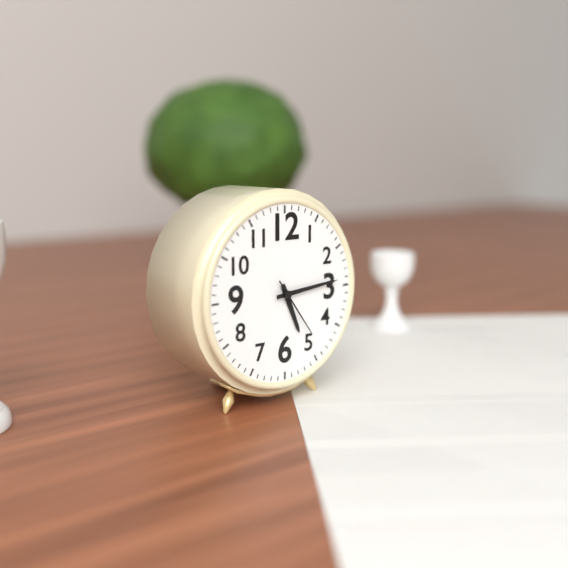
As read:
h=5 m=14 s=24
